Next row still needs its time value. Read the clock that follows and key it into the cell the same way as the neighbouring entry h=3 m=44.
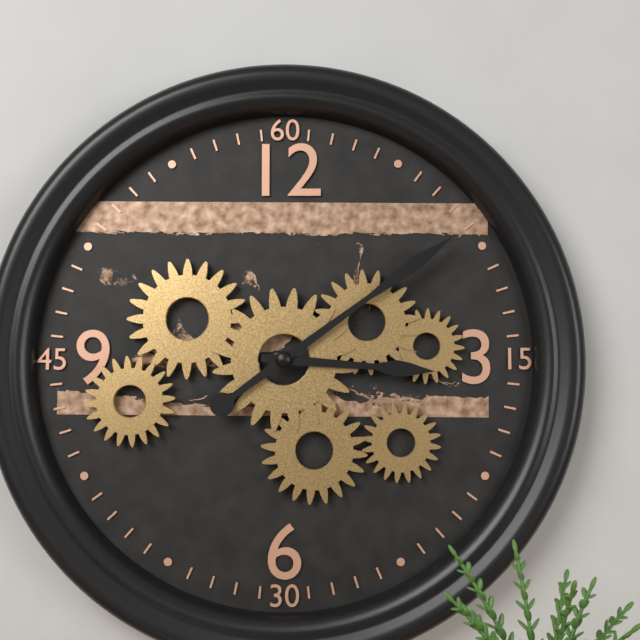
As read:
h=3 m=9
